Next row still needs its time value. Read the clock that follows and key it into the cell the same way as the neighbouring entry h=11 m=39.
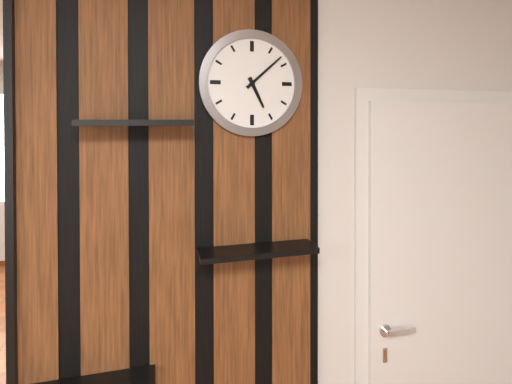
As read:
h=5 m=8
